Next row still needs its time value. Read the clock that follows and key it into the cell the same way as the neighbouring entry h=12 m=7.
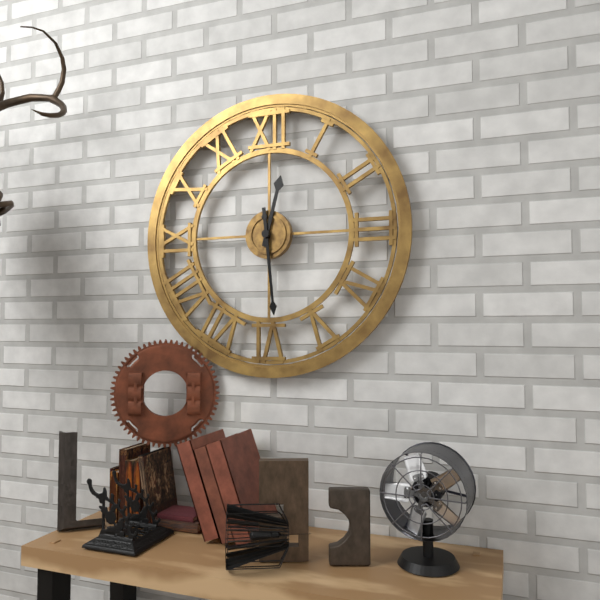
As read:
h=12 m=29
